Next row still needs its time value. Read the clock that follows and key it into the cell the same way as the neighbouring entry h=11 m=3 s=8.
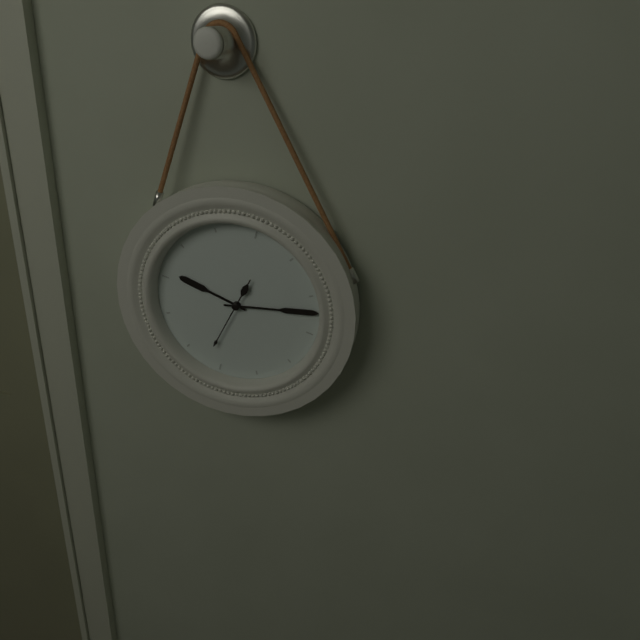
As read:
h=9 m=12 s=32
